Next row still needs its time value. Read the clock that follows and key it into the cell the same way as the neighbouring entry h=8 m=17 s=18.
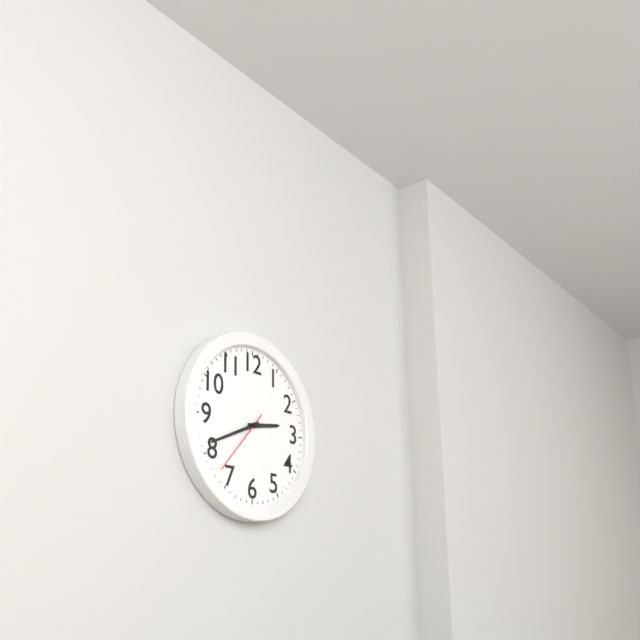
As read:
h=2 m=41 s=37
